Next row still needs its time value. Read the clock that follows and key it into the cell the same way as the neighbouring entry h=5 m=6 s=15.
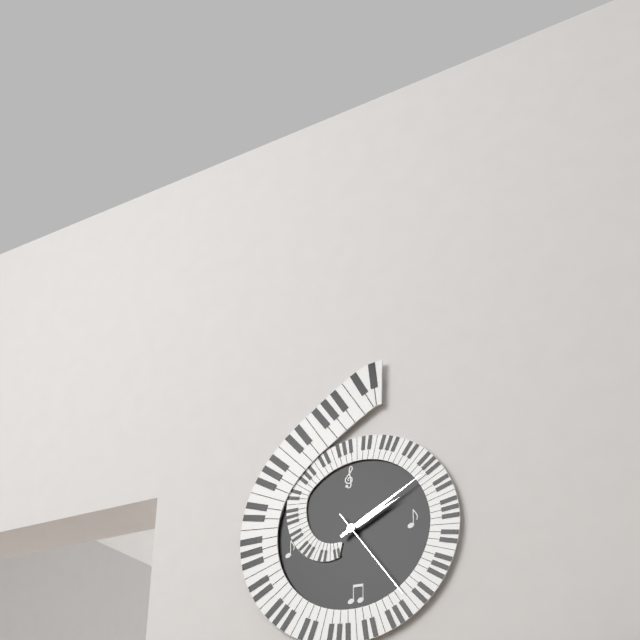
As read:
h=2 m=10 s=24
